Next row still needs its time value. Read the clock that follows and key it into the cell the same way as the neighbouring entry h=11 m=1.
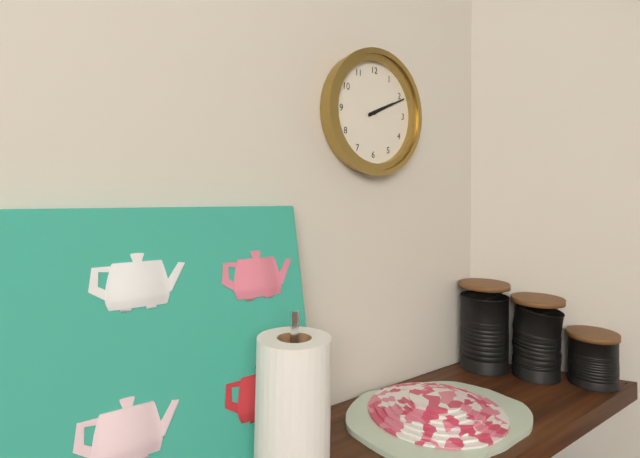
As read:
h=2 m=11
